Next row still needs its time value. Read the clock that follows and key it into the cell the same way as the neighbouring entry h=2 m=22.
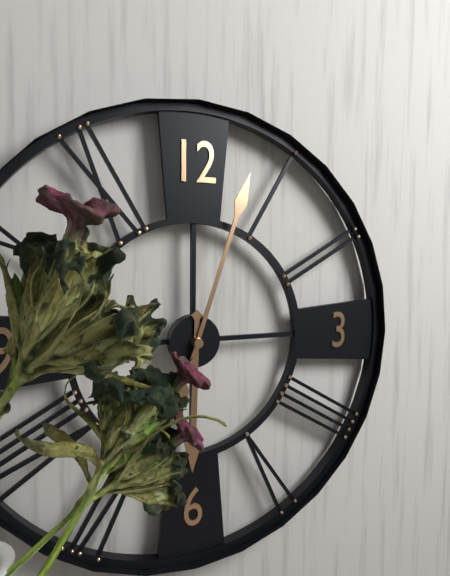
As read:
h=6 m=3
